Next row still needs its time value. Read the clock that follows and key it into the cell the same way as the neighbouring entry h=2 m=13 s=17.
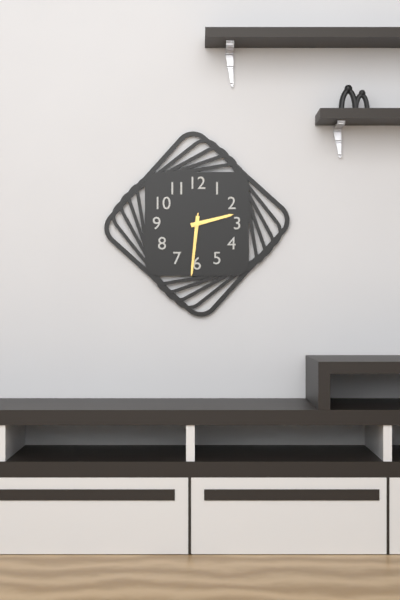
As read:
h=2 m=31 s=31
